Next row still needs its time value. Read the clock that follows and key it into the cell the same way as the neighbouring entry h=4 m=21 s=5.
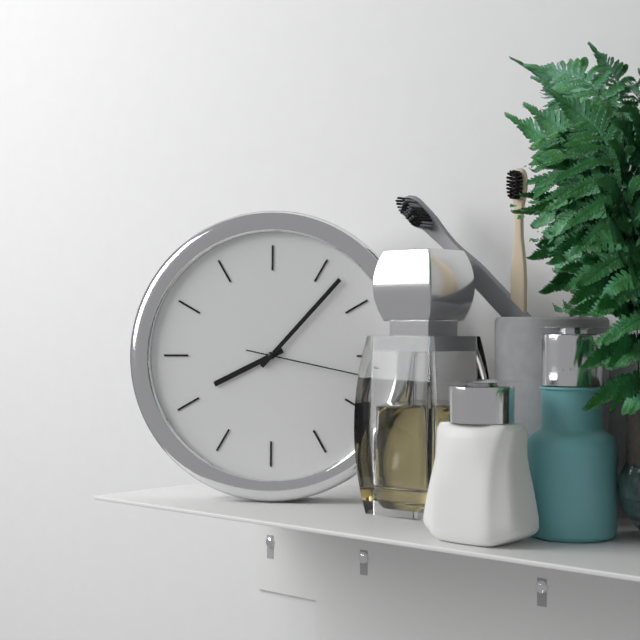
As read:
h=8 m=7 s=17
